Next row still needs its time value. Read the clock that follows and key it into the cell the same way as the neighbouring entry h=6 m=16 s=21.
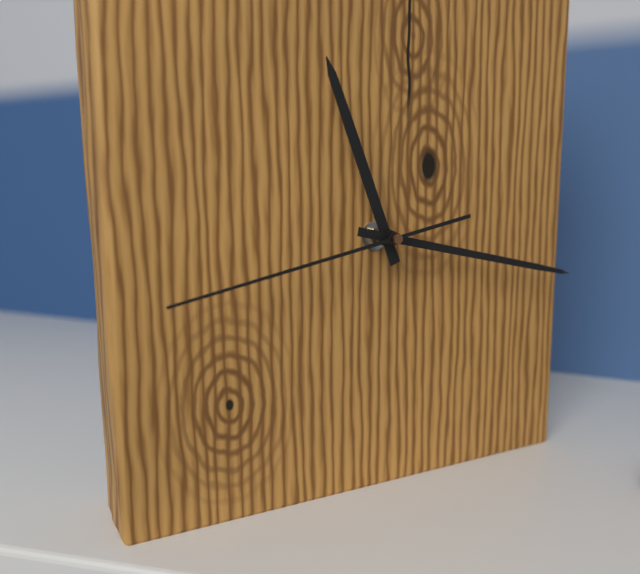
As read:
h=11 m=17 s=43
